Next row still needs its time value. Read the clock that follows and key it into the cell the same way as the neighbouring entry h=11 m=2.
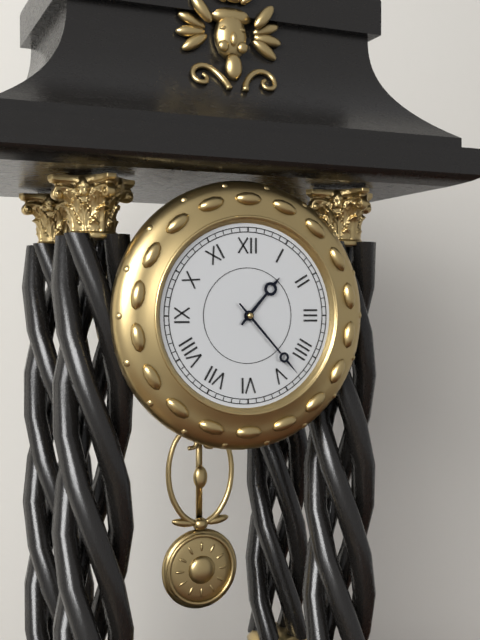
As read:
h=1 m=23
